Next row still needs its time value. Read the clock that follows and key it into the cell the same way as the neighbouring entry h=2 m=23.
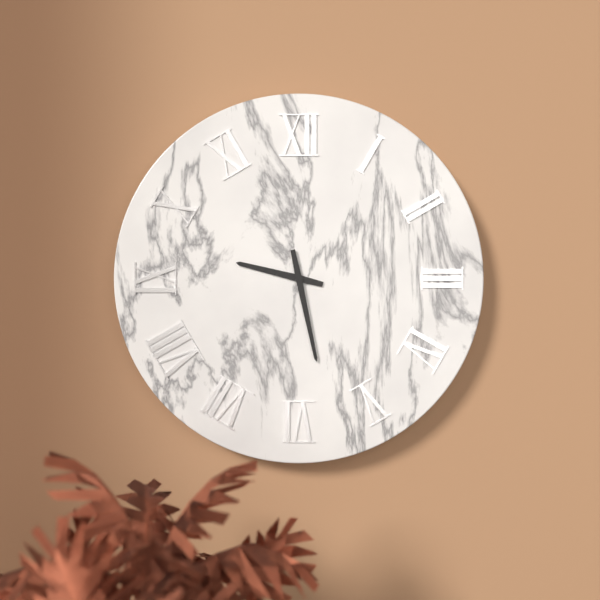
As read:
h=9 m=28
